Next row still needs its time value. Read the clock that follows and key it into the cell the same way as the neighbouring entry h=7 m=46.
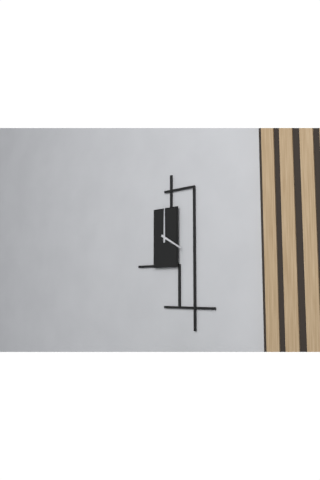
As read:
h=4 m=0
